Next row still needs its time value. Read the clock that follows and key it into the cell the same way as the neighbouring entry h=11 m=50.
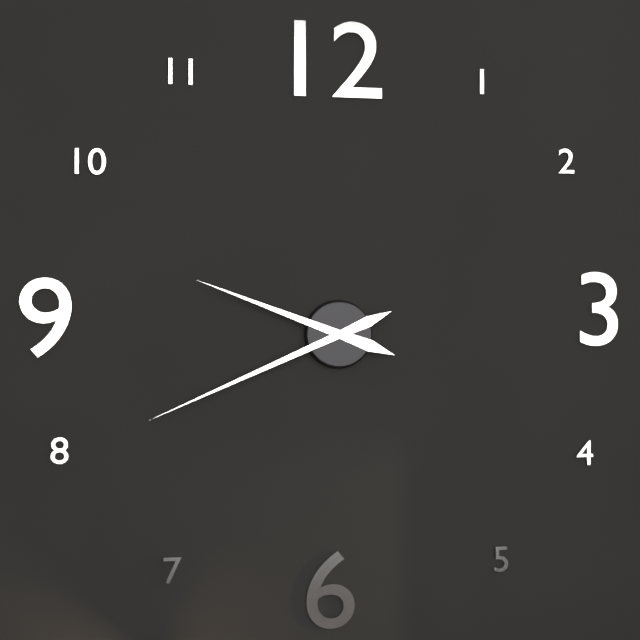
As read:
h=9 m=41
